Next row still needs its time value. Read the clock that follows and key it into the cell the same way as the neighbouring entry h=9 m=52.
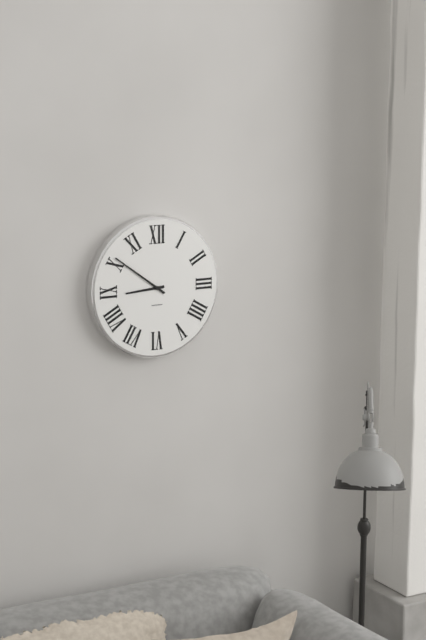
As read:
h=8 m=51
